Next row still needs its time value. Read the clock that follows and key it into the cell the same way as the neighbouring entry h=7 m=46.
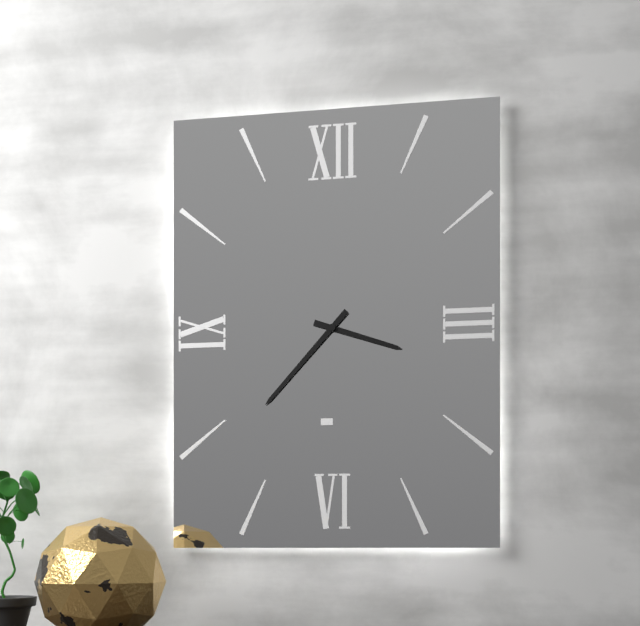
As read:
h=3 m=37
